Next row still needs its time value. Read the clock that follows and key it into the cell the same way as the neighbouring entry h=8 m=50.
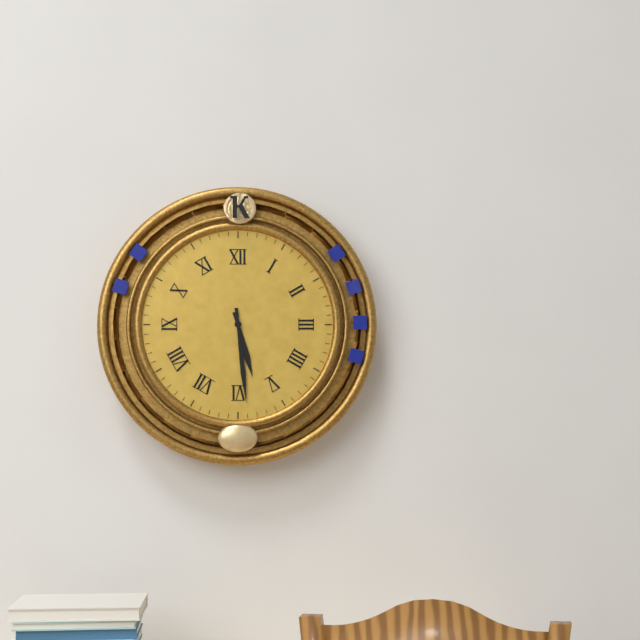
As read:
h=5 m=29
